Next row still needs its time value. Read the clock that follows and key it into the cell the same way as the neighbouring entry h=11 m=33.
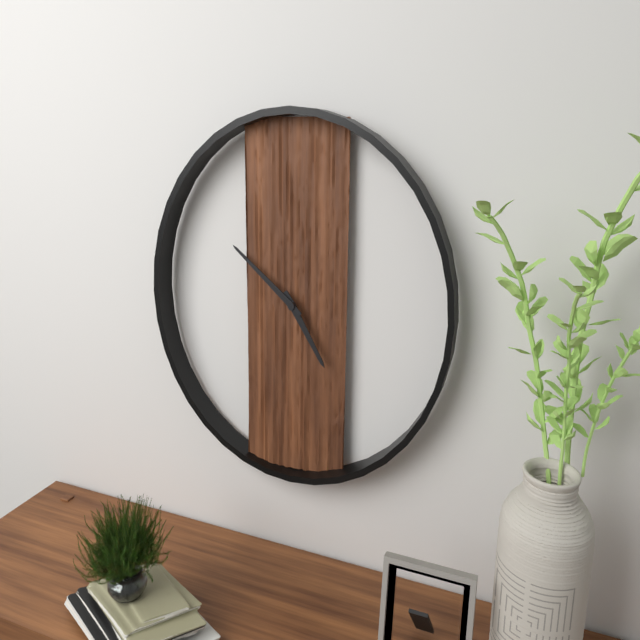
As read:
h=4 m=51
